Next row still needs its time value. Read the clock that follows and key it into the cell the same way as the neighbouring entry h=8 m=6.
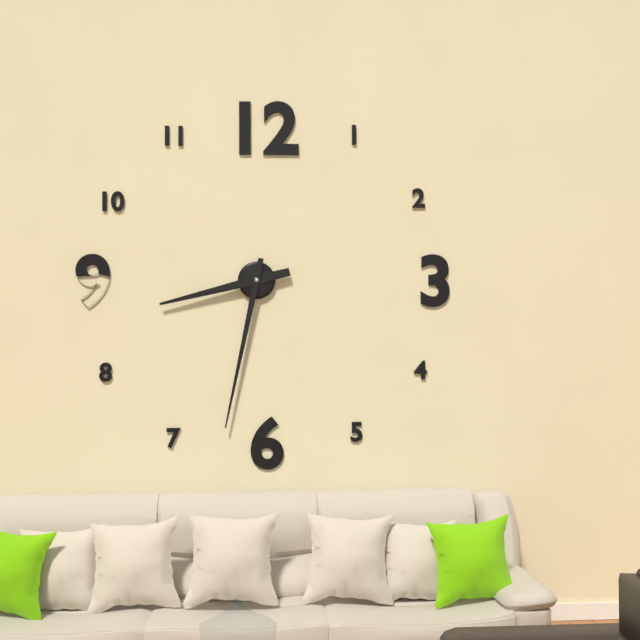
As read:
h=8 m=32
